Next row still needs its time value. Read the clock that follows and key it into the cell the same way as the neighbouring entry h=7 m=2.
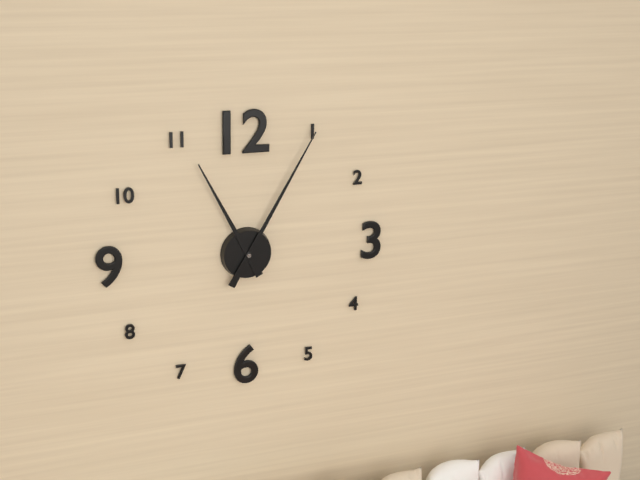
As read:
h=11 m=5
